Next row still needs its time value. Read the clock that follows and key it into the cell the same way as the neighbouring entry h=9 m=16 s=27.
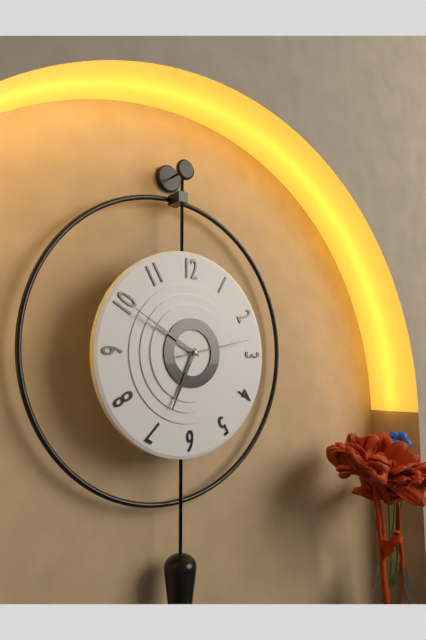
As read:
h=6 m=50 s=13
